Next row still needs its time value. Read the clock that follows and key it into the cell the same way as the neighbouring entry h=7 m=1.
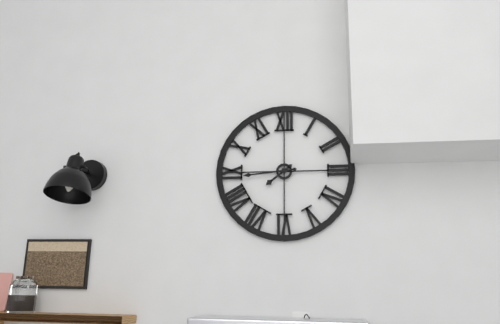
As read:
h=7 m=44
